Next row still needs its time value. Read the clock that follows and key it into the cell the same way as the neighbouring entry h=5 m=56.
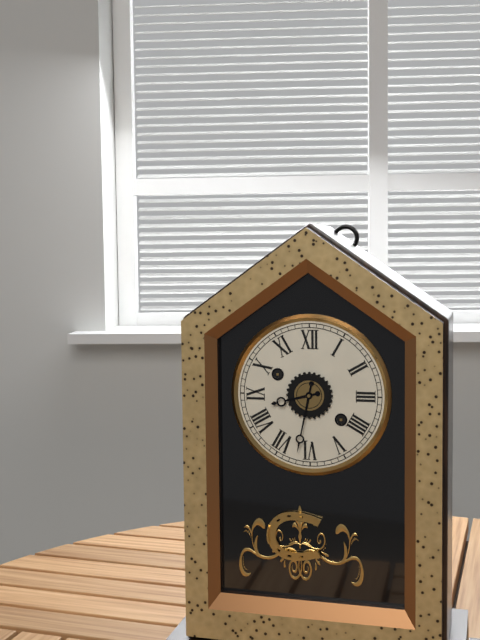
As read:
h=8 m=32
